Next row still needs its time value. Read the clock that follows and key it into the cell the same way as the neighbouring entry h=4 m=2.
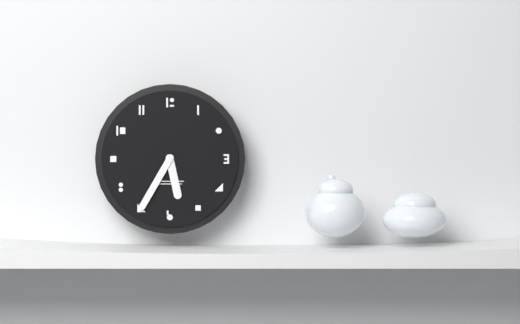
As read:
h=5 m=35
